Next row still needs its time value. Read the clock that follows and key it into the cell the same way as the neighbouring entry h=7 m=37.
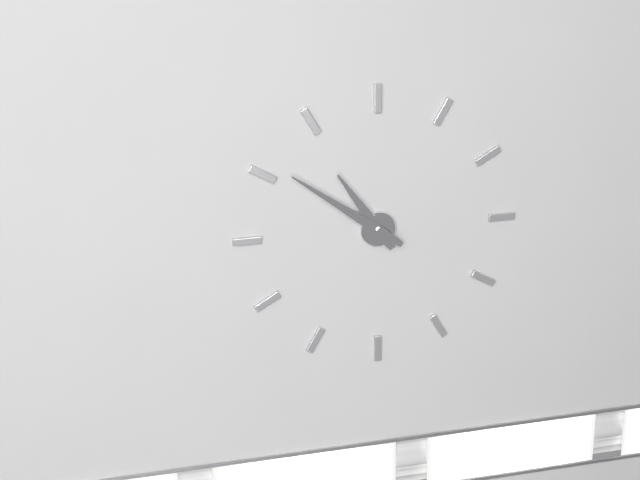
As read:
h=10 m=51
